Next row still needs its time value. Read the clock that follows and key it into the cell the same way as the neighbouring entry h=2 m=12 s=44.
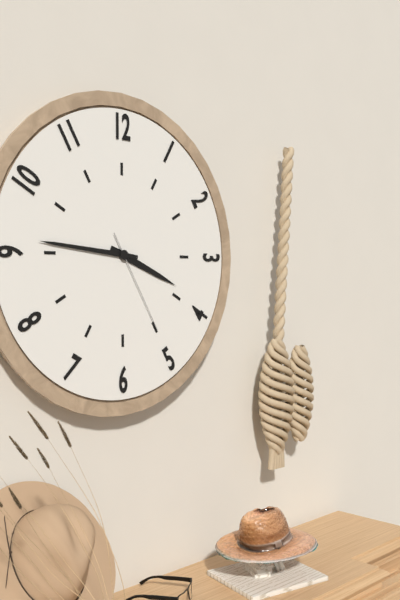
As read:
h=3 m=46 s=25
